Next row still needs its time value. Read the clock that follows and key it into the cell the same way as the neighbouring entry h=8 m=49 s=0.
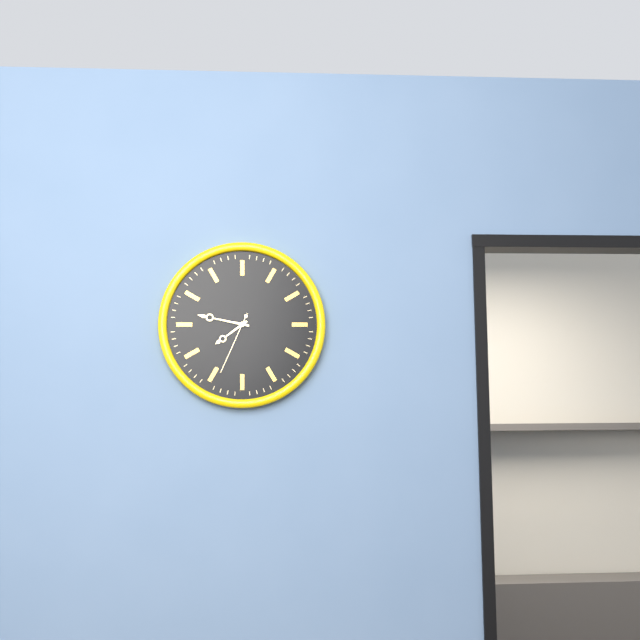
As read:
h=7 m=47 s=34
